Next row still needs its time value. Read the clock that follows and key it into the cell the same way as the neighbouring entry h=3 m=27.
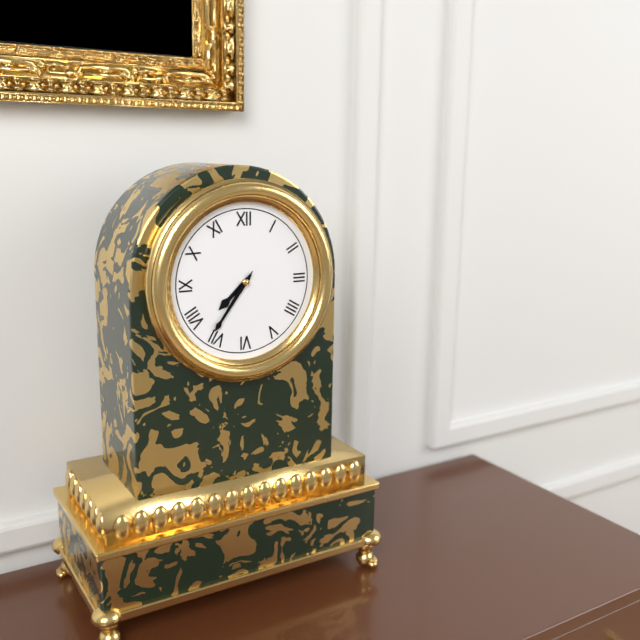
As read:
h=7 m=36
